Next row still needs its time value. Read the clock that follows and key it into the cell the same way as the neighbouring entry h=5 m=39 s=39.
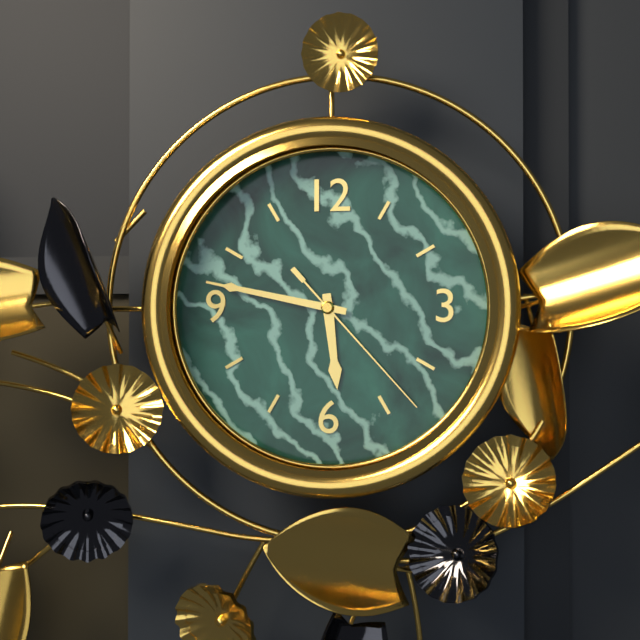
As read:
h=5 m=47 s=23
